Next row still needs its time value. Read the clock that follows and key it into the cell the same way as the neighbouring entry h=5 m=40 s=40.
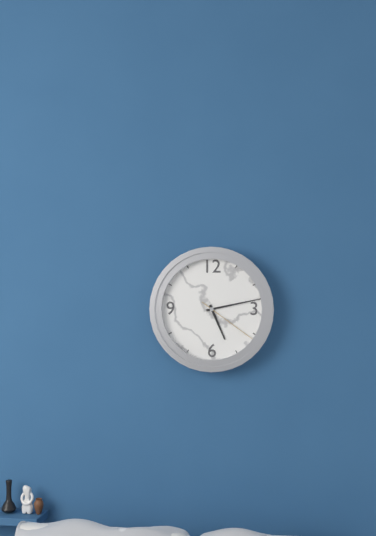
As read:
h=5 m=13 s=21
